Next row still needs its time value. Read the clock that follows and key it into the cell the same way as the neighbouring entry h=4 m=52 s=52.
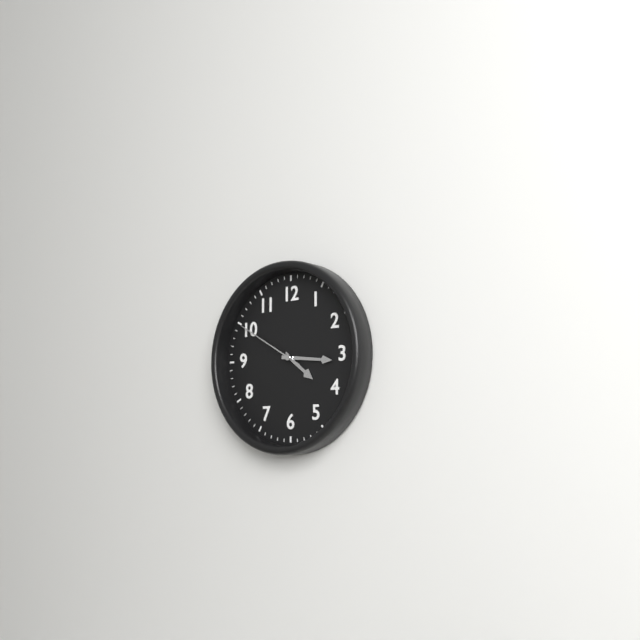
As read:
h=4 m=16 s=50
